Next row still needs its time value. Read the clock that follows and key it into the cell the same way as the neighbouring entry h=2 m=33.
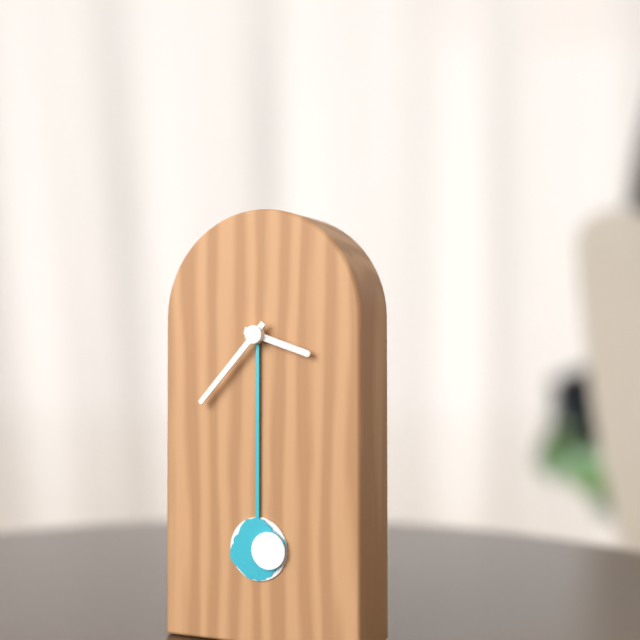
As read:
h=3 m=37
